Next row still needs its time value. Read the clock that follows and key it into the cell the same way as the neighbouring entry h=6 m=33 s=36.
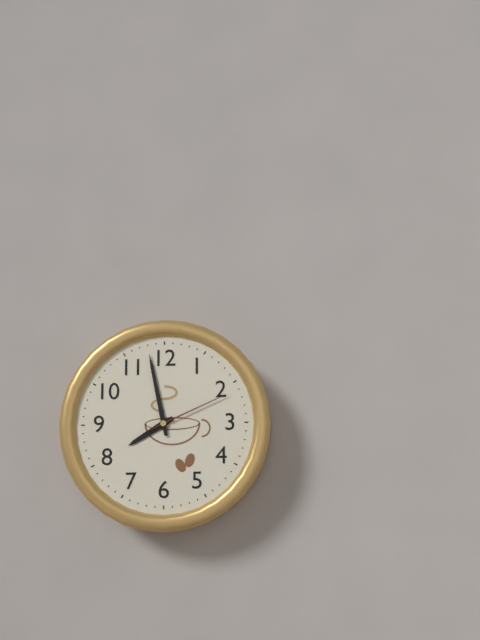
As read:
h=7 m=58 s=11
